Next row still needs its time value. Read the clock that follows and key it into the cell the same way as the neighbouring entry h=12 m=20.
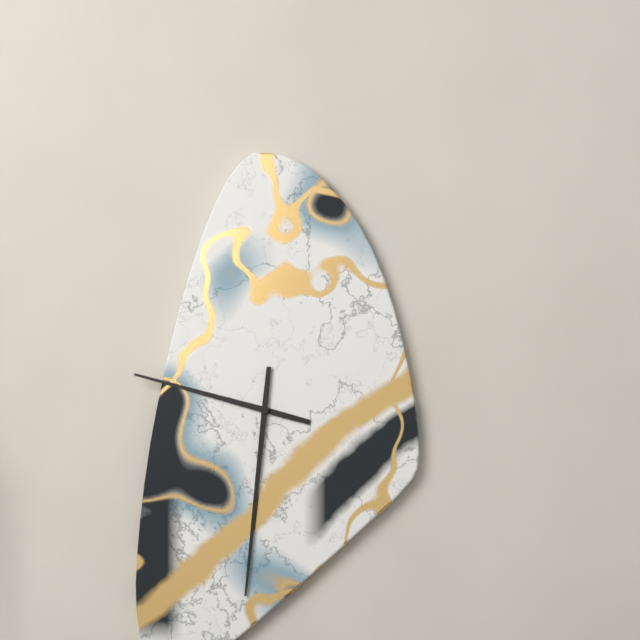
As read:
h=9 m=31
